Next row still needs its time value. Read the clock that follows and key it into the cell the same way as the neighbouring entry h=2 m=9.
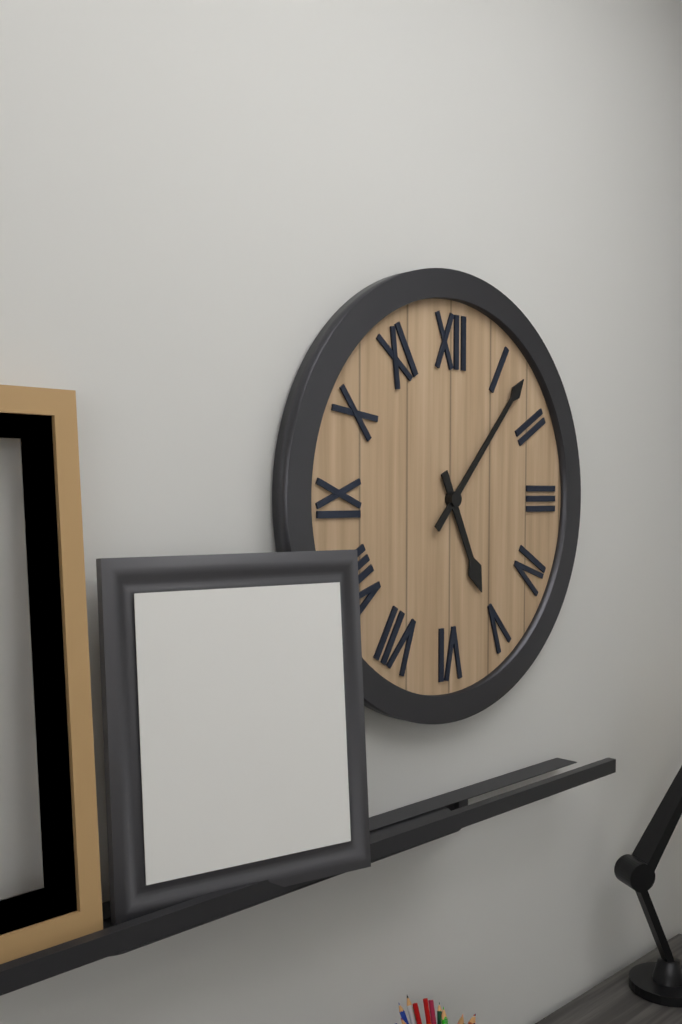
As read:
h=5 m=7
